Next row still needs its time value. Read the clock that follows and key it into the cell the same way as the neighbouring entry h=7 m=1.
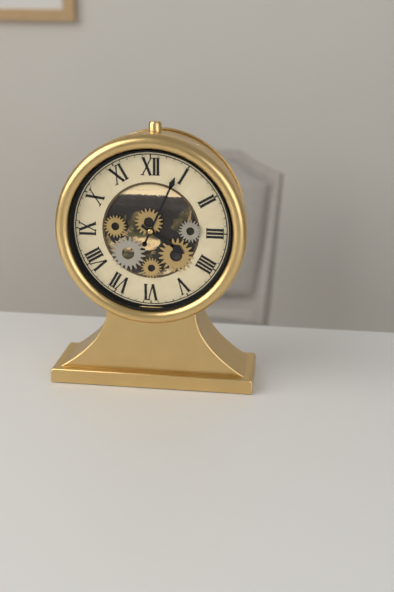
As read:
h=4 m=4
